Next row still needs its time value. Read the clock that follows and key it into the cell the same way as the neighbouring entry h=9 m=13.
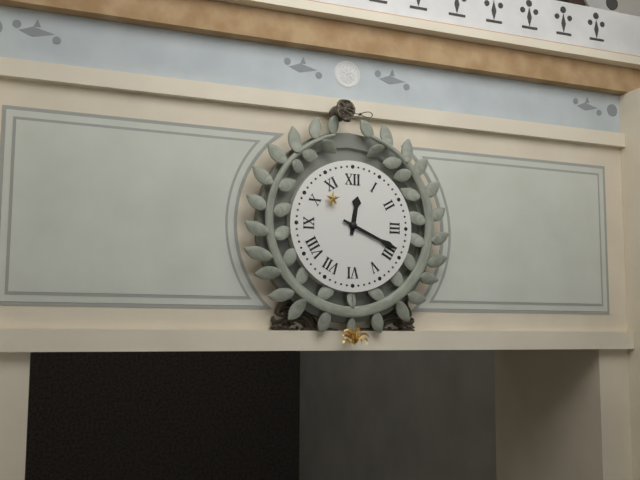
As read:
h=12 m=19
